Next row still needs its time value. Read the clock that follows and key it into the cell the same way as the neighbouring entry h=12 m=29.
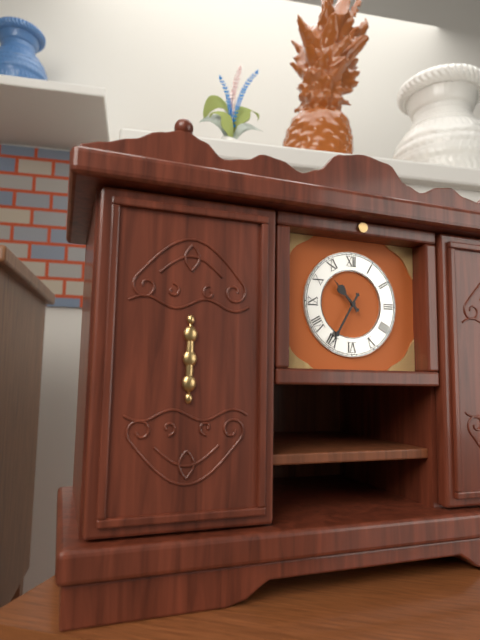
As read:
h=10 m=35
